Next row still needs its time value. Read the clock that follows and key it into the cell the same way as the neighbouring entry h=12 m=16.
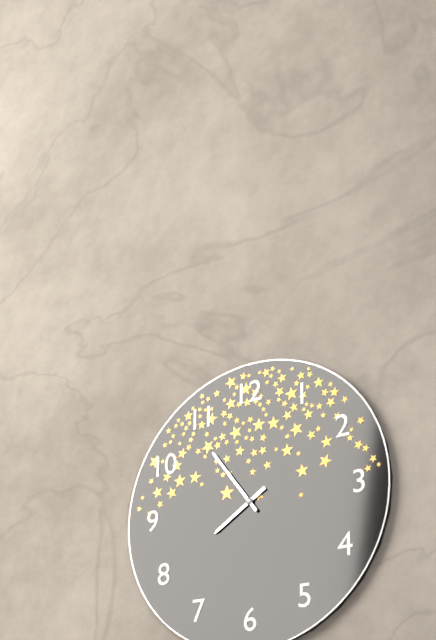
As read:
h=7 m=54
